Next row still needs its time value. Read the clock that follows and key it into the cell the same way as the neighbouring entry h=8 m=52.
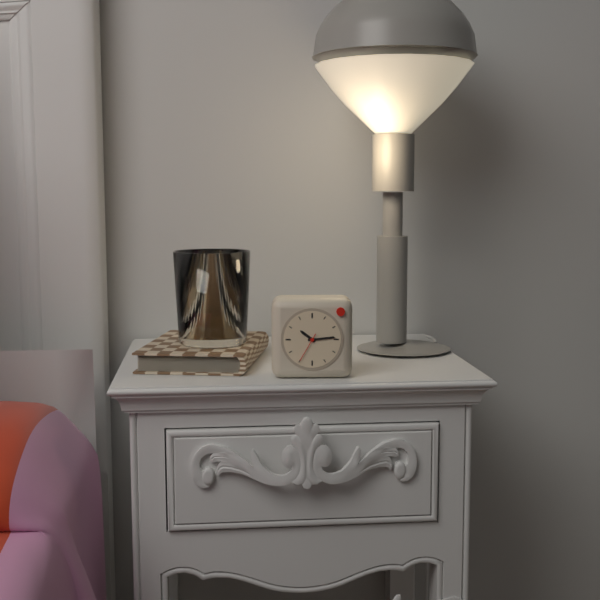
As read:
h=10 m=14
